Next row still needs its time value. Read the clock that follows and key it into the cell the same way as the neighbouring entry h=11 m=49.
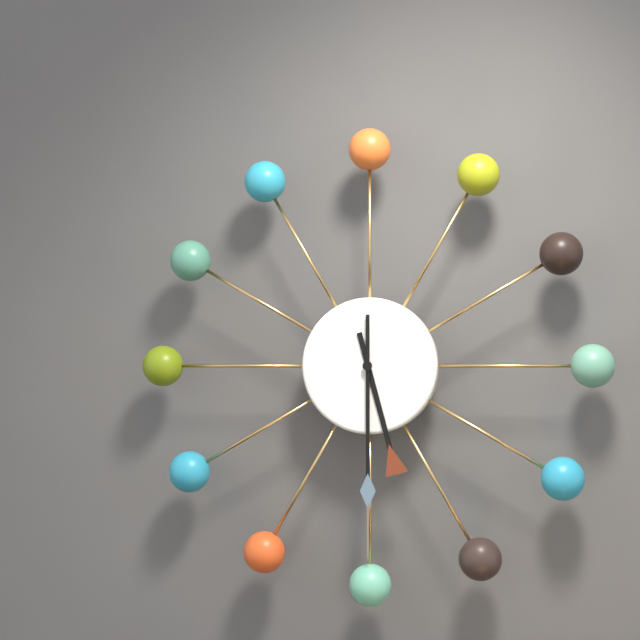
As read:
h=5 m=30
